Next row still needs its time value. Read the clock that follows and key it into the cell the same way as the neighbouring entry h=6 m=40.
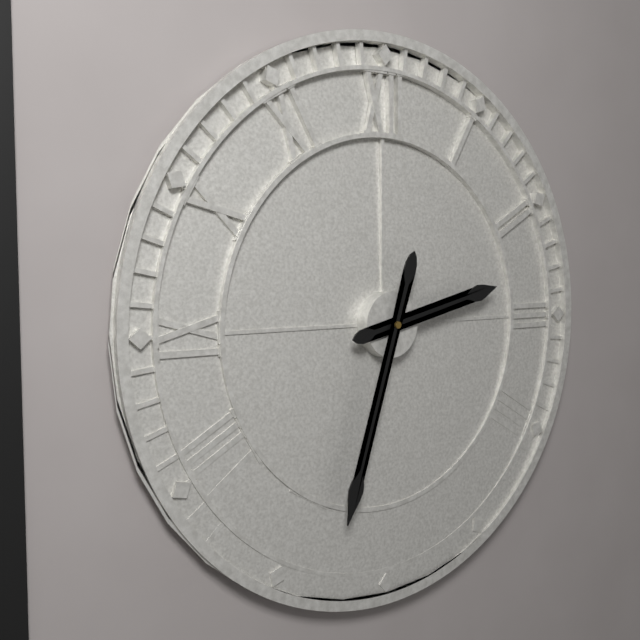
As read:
h=2 m=33
